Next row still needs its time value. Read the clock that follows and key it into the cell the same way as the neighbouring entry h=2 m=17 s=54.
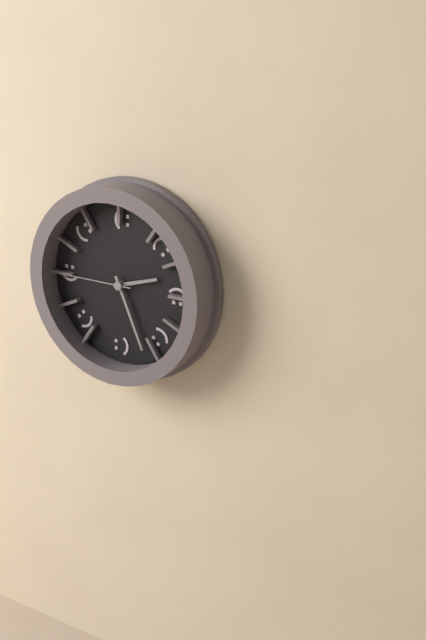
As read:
h=2 m=26 s=45
